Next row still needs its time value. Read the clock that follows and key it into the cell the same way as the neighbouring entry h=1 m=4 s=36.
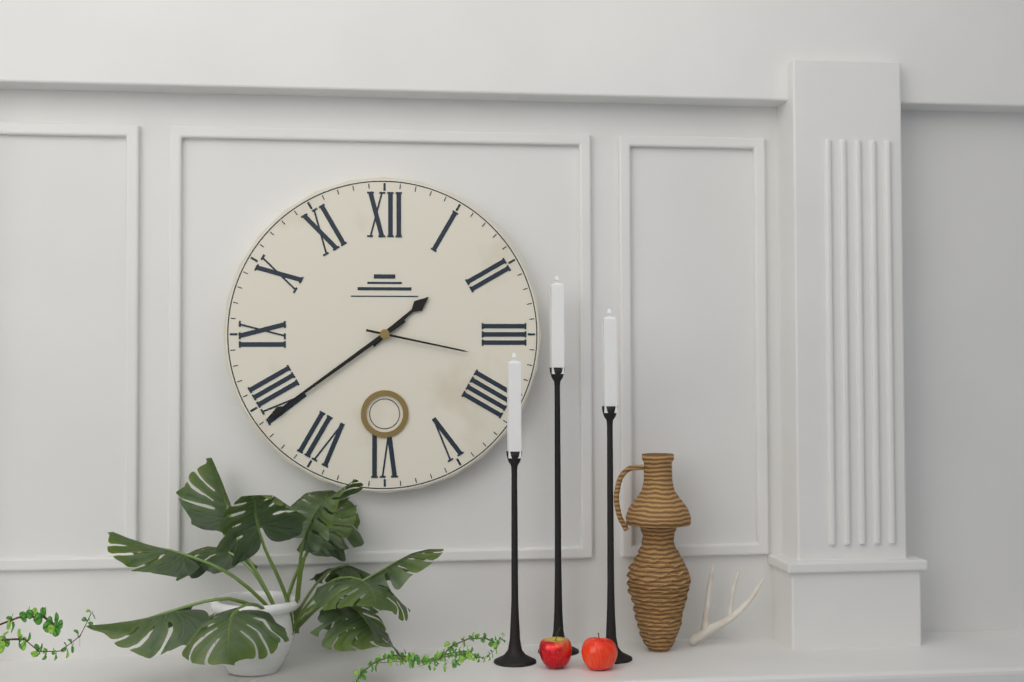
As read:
h=1 m=39 s=17
